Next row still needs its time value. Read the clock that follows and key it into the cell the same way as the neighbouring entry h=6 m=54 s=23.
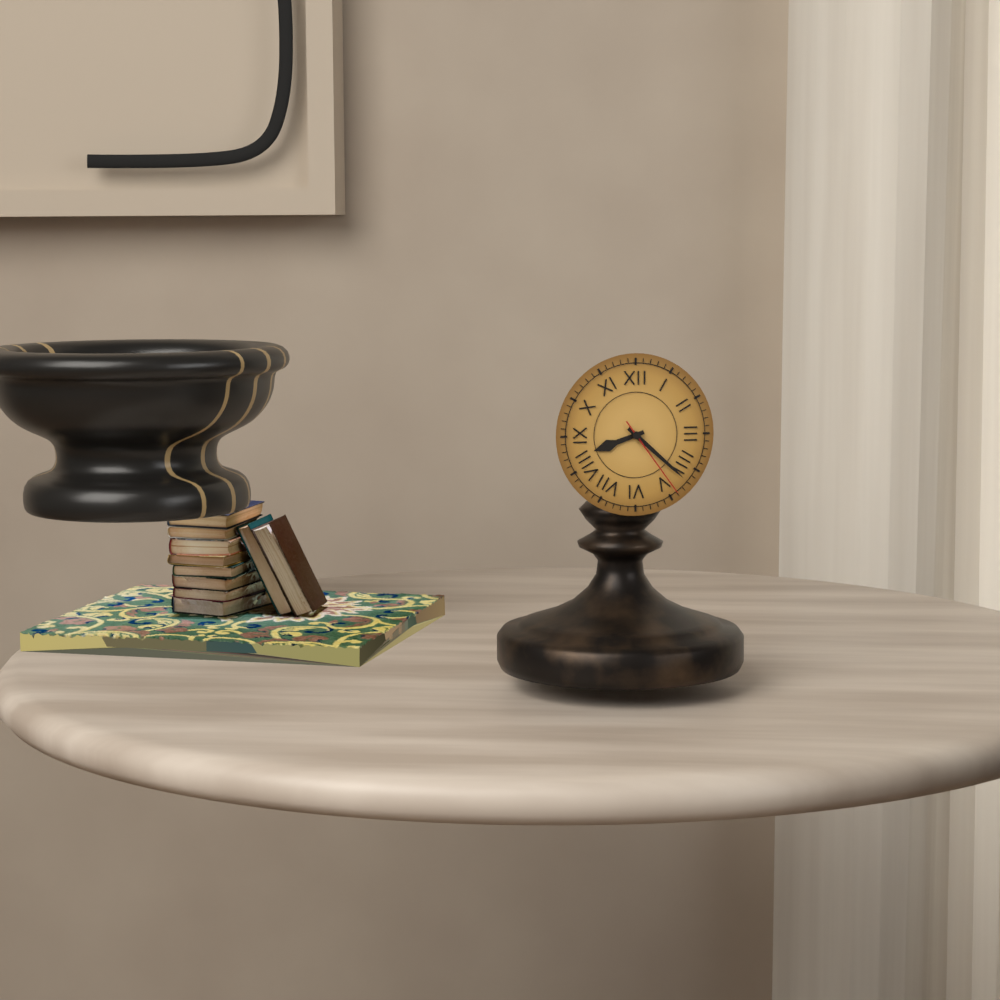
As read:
h=8 m=22 s=24
